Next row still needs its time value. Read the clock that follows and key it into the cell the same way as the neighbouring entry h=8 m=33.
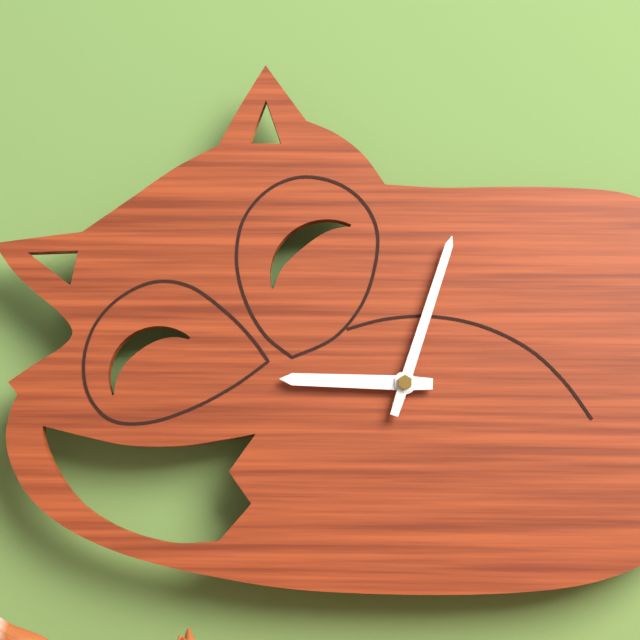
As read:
h=9 m=3
